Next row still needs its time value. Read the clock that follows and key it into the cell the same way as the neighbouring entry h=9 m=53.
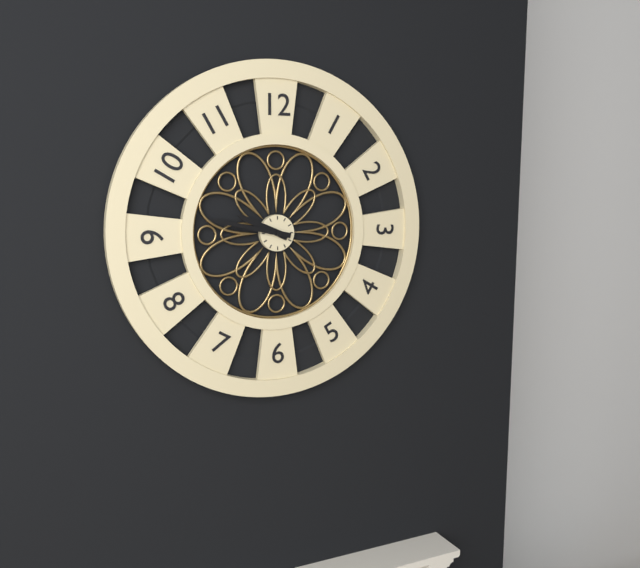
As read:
h=9 m=47
